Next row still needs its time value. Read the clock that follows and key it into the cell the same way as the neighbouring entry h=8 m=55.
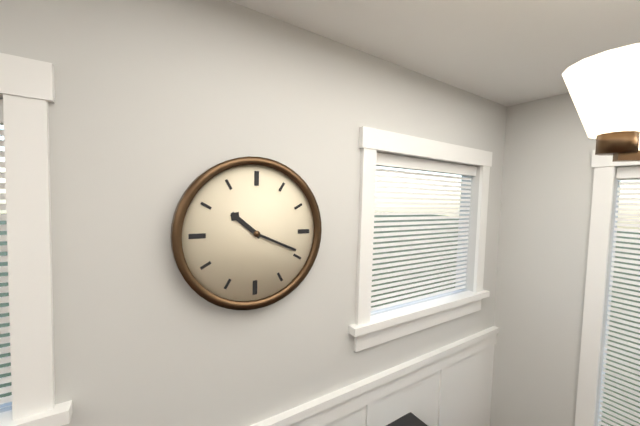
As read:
h=10 m=19
